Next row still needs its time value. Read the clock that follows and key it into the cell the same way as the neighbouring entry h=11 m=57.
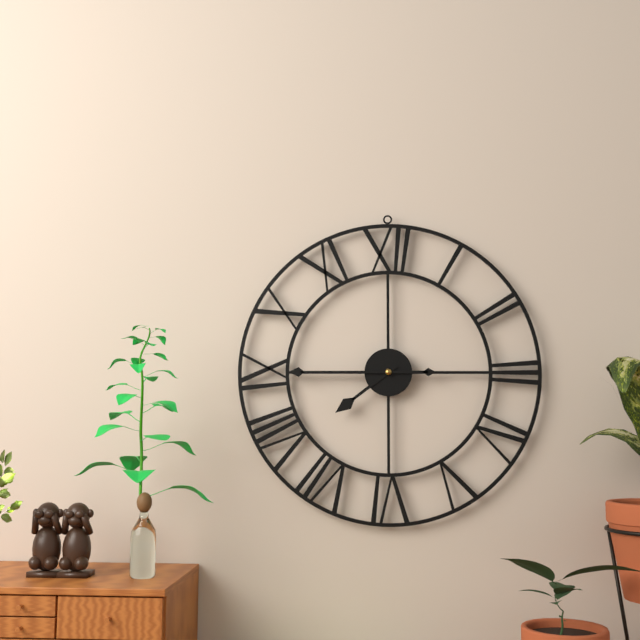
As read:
h=7 m=45
